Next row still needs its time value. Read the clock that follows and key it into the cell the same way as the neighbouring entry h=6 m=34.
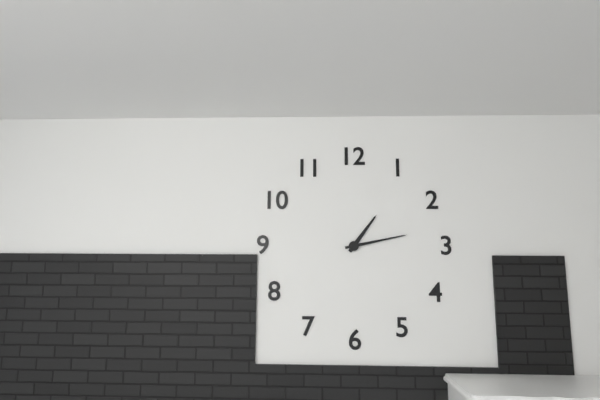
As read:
h=1 m=13
